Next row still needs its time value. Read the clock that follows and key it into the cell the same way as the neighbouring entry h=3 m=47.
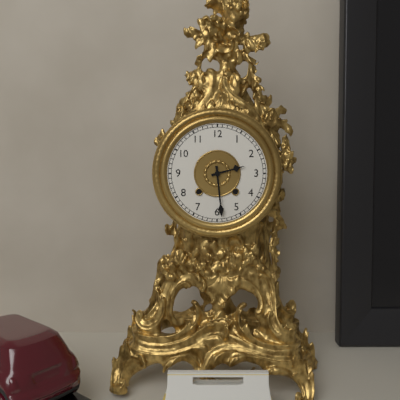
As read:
h=2 m=29
